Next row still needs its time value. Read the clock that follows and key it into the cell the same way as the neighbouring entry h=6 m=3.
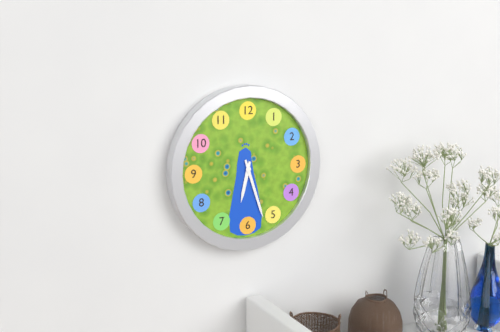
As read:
h=6 m=27
